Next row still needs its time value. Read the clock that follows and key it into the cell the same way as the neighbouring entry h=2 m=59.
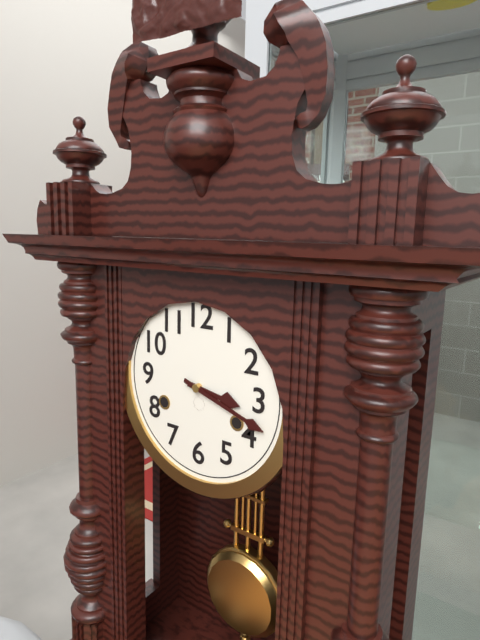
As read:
h=3 m=18
